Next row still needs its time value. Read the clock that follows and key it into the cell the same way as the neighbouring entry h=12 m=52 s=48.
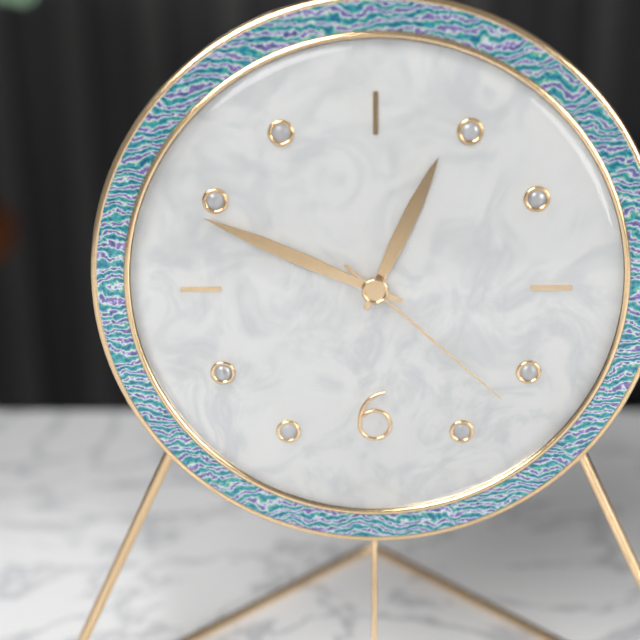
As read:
h=12 m=49 s=22
